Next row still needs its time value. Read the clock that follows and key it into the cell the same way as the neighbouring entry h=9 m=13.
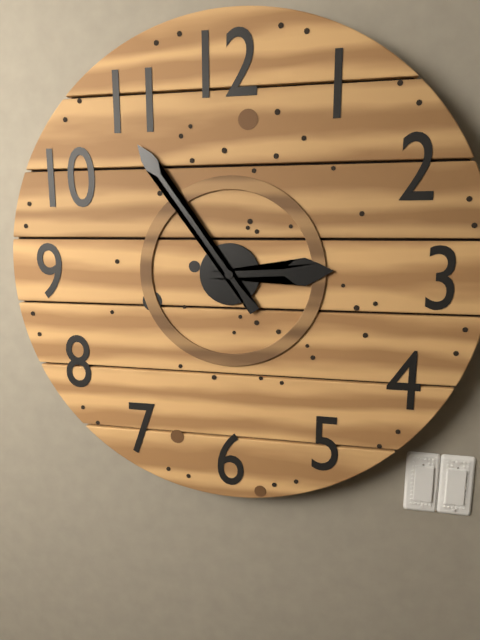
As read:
h=2 m=54
